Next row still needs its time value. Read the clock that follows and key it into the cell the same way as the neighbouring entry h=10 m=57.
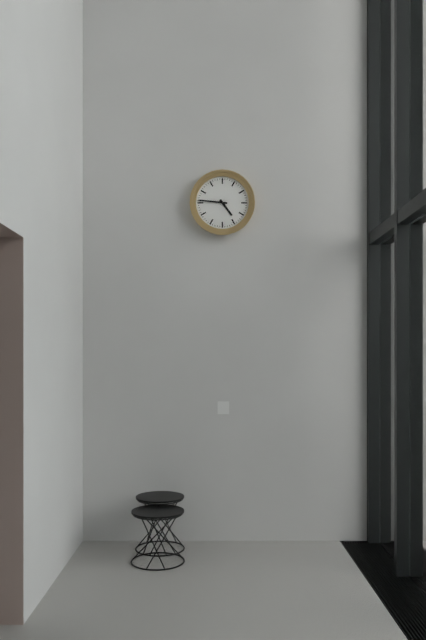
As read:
h=4 m=46
